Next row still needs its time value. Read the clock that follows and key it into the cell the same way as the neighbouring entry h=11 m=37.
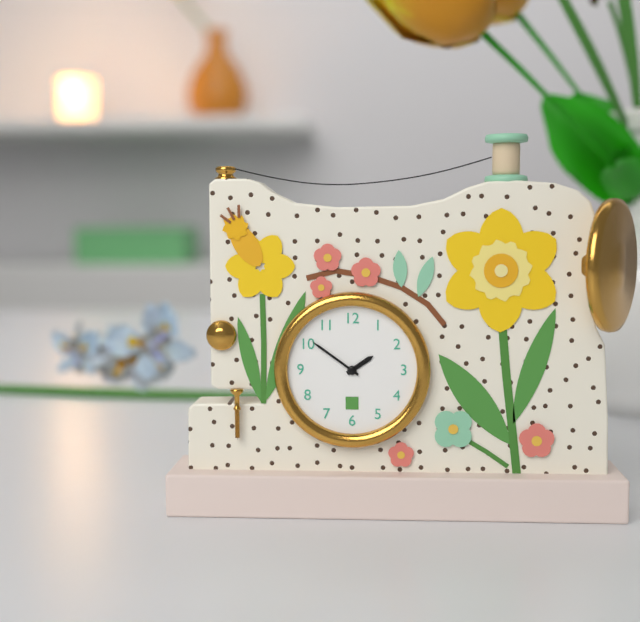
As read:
h=1 m=51
